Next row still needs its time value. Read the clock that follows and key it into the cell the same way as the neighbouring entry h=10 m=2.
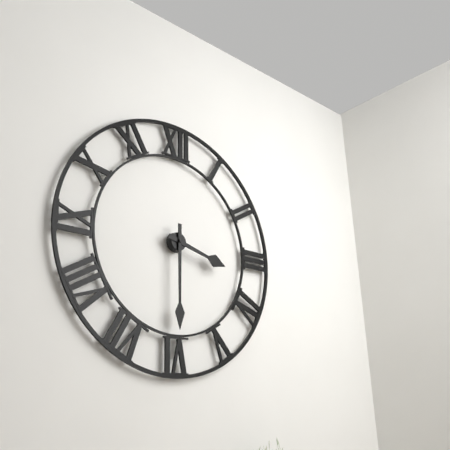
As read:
h=3 m=30
